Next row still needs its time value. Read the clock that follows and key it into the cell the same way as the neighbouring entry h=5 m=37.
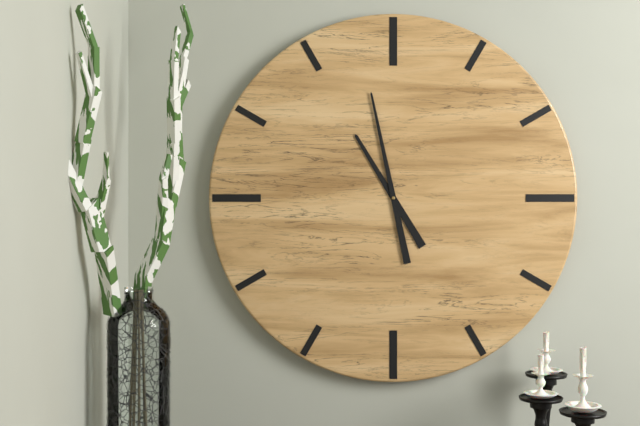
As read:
h=10 m=58
